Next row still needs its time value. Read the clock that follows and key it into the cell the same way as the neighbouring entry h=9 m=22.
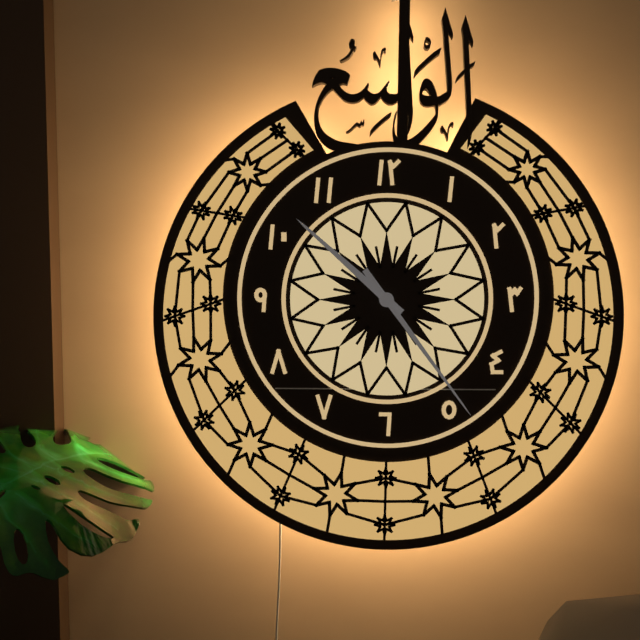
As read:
h=10 m=24
